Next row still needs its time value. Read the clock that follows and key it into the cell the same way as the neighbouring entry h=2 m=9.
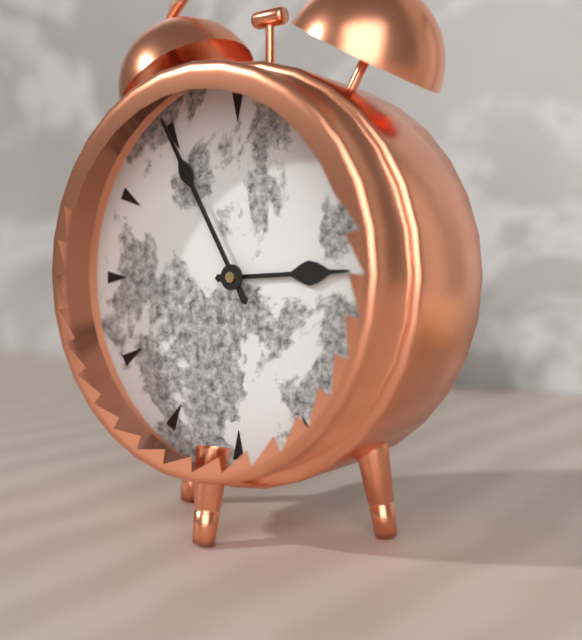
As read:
h=2 m=55
